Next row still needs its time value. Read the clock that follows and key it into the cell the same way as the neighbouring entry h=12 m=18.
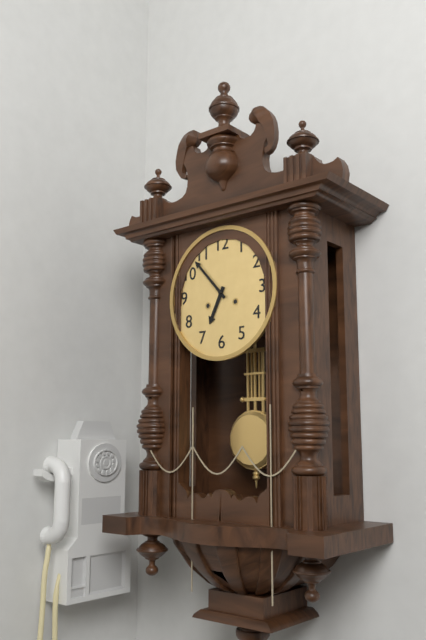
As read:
h=6 m=53
